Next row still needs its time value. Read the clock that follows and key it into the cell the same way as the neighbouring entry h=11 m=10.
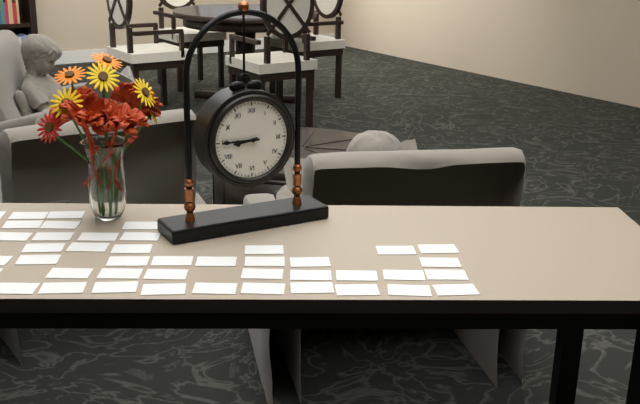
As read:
h=8 m=45
